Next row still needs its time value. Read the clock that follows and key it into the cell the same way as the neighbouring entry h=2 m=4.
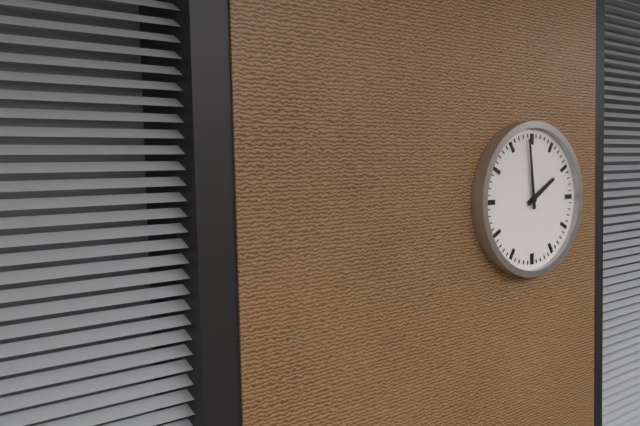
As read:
h=1 m=59
